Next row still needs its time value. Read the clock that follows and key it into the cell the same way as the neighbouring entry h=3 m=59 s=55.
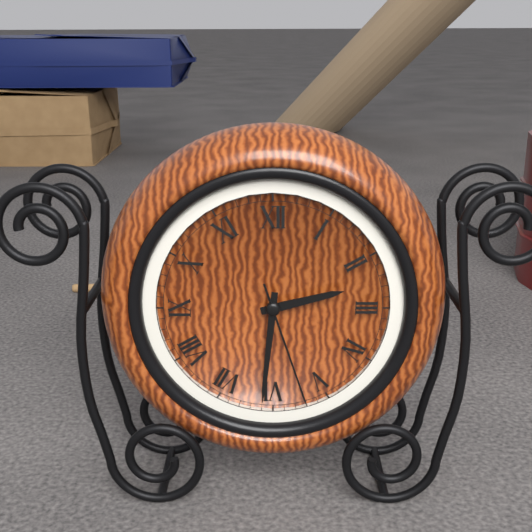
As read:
h=2 m=31 s=27
